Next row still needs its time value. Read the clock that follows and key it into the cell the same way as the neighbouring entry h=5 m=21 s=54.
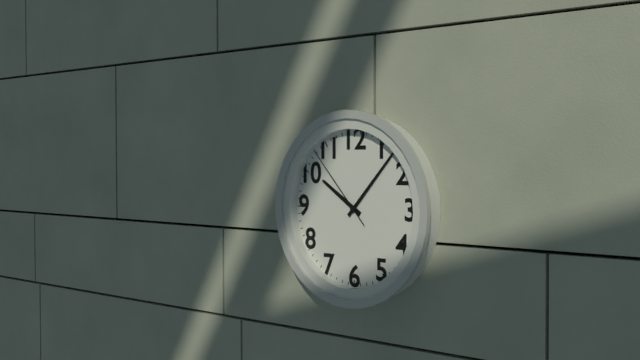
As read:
h=10 m=7 s=53
